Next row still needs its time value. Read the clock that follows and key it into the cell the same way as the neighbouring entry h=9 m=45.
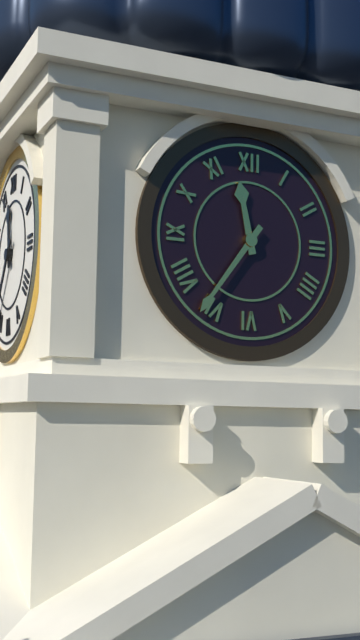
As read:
h=11 m=36
